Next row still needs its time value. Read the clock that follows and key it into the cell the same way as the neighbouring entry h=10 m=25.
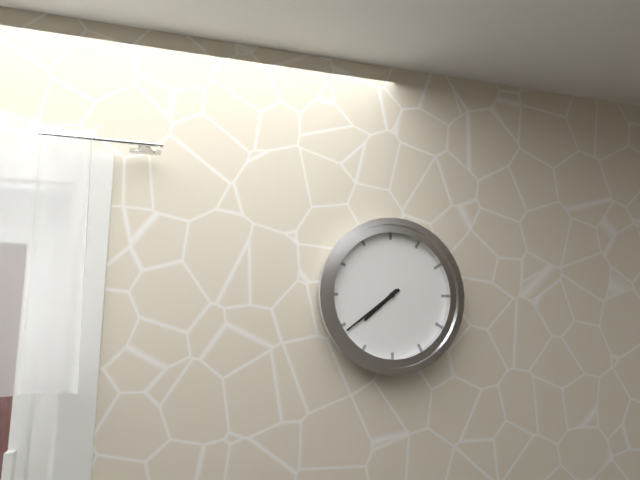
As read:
h=7 m=39
